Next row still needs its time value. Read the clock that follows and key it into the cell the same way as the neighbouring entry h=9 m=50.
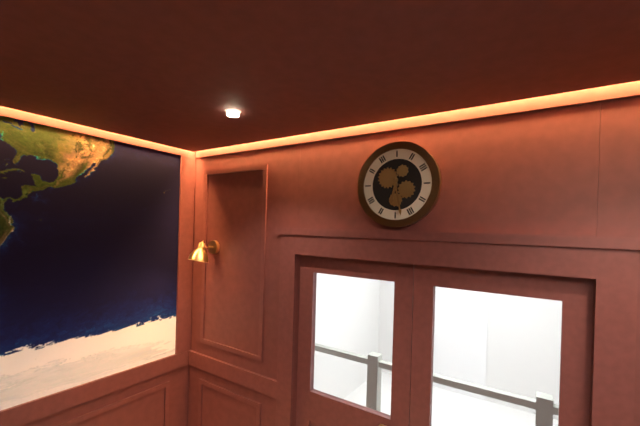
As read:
h=6 m=28
